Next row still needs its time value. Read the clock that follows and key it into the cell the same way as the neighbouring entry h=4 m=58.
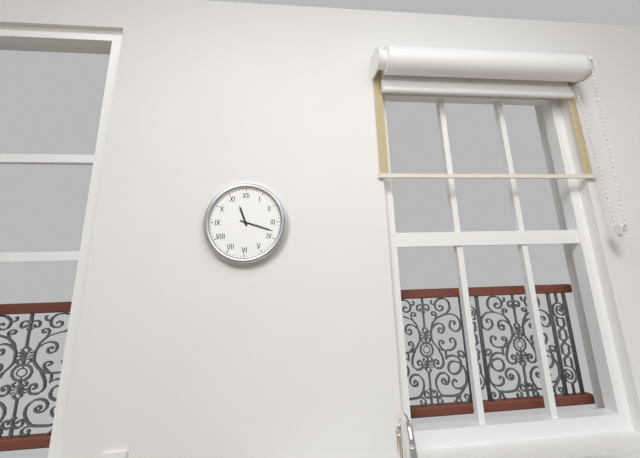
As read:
h=11 m=18
